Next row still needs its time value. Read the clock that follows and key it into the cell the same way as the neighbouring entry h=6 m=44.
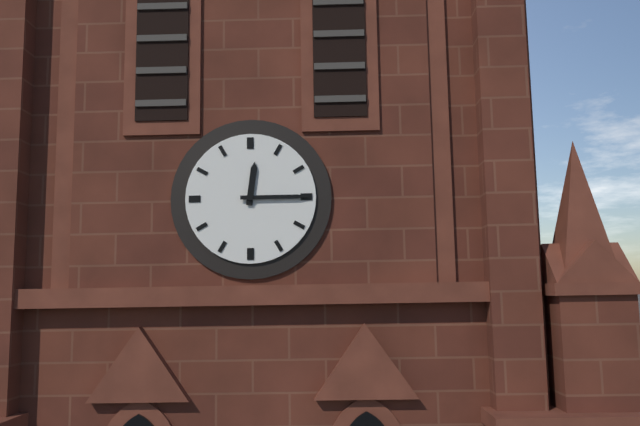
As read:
h=12 m=15
